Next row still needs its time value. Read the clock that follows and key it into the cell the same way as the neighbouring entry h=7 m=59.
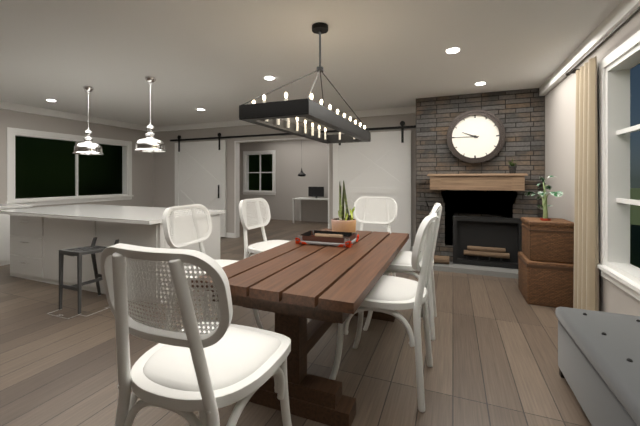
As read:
h=9 m=45
